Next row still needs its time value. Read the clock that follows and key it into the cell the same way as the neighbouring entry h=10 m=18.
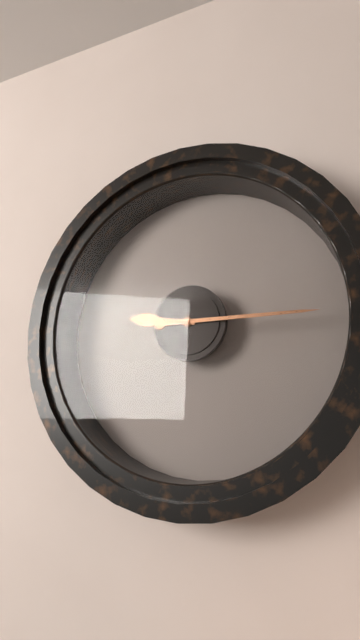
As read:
h=9 m=15
